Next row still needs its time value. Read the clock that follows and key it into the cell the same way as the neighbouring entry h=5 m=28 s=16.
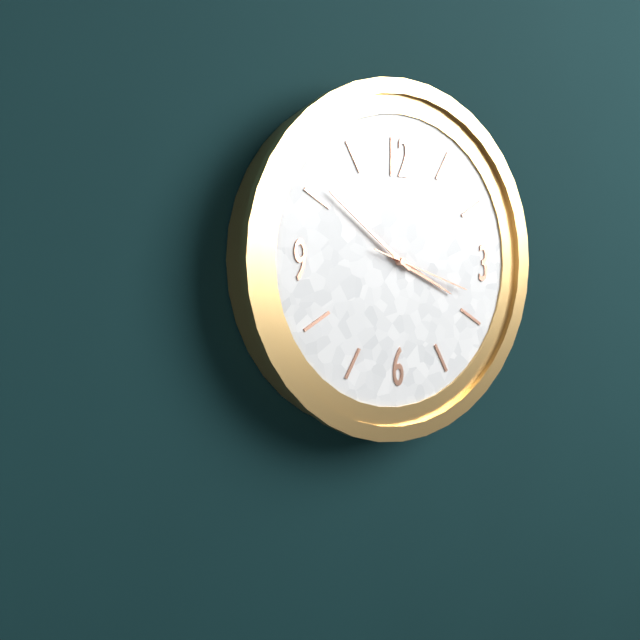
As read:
h=3 m=51 s=18
